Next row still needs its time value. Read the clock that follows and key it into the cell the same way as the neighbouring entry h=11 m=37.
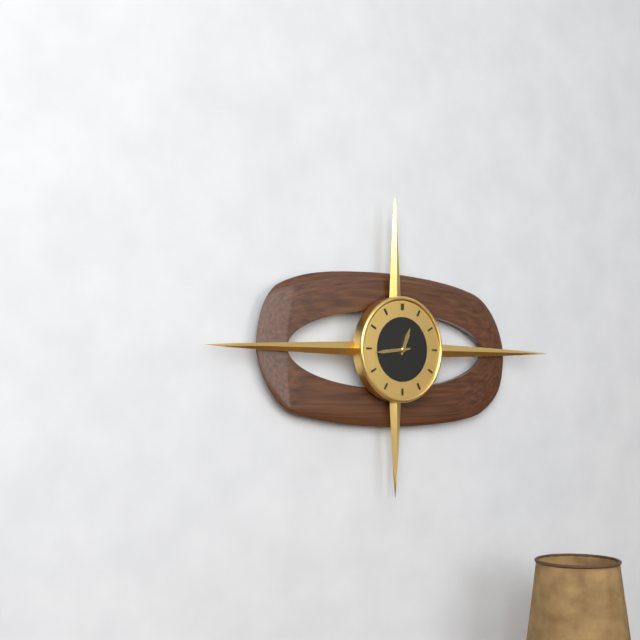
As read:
h=12 m=44
